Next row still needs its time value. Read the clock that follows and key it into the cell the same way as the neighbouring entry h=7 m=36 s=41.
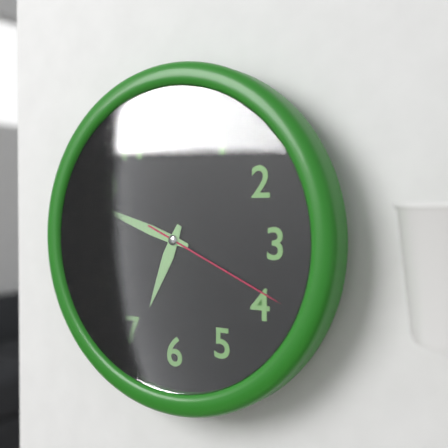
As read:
h=6 m=48 s=19
